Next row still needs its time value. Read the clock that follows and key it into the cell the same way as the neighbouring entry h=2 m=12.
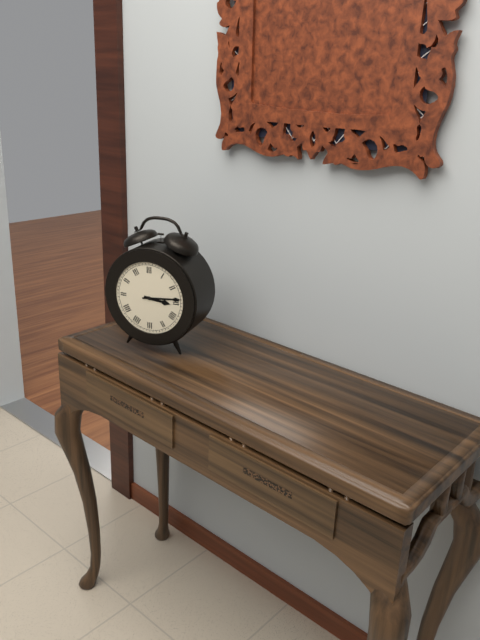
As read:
h=3 m=14
